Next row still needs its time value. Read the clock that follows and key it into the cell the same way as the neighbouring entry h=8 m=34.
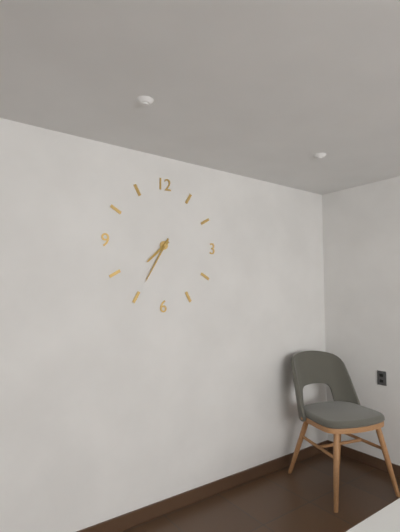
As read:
h=7 m=35
